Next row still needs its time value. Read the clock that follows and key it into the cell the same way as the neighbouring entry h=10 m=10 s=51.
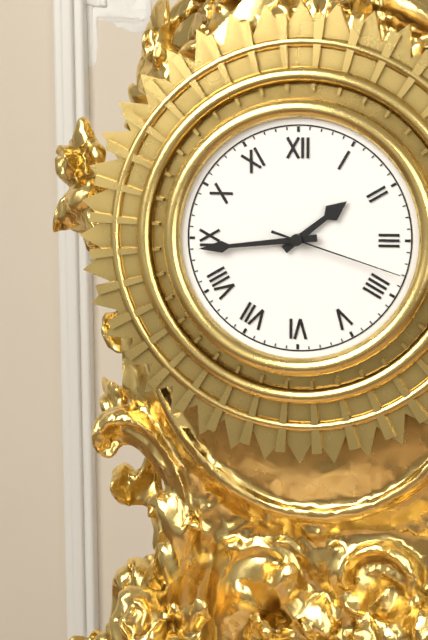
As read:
h=1 m=44 s=18
